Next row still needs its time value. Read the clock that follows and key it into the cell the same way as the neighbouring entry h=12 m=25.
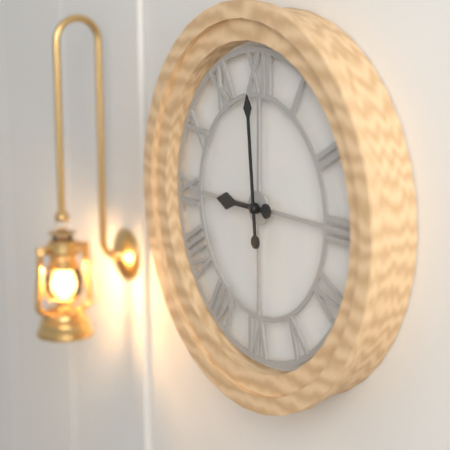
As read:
h=8 m=59
